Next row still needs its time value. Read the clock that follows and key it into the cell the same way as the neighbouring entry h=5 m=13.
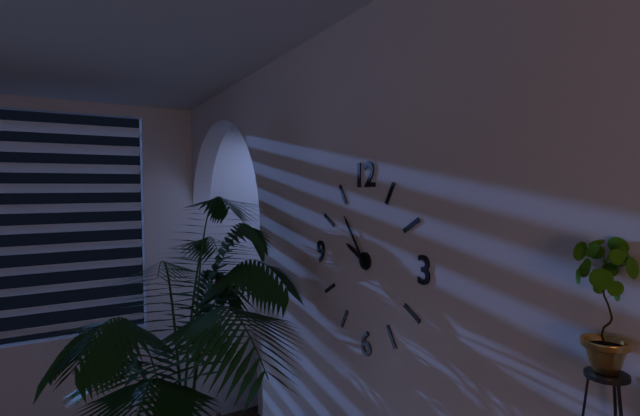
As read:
h=9 m=54
